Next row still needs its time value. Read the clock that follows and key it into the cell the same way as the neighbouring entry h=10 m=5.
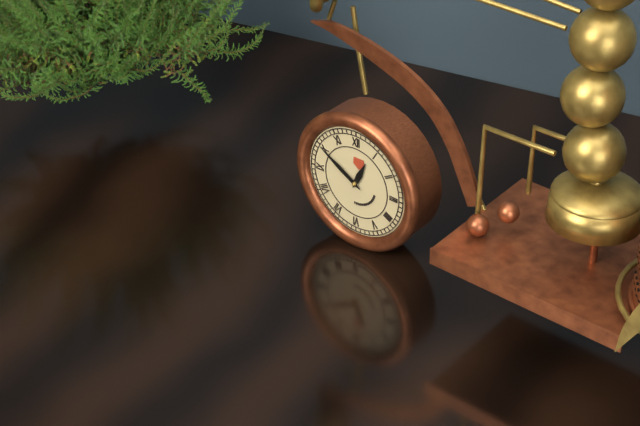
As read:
h=12 m=50
